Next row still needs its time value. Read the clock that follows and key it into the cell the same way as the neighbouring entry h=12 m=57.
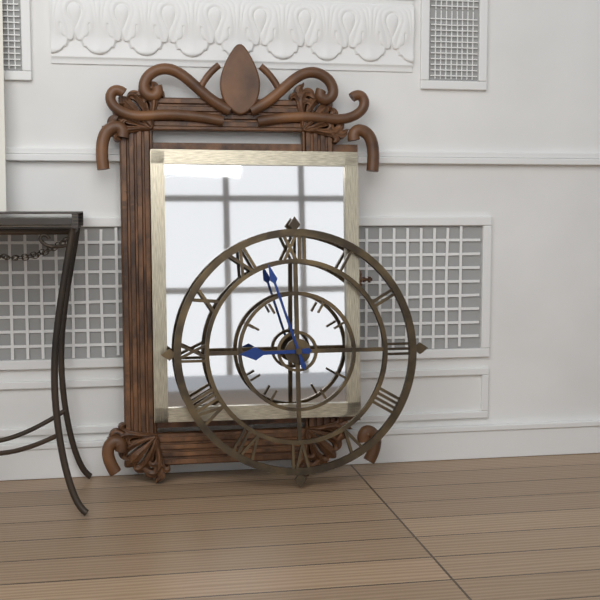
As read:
h=8 m=57
